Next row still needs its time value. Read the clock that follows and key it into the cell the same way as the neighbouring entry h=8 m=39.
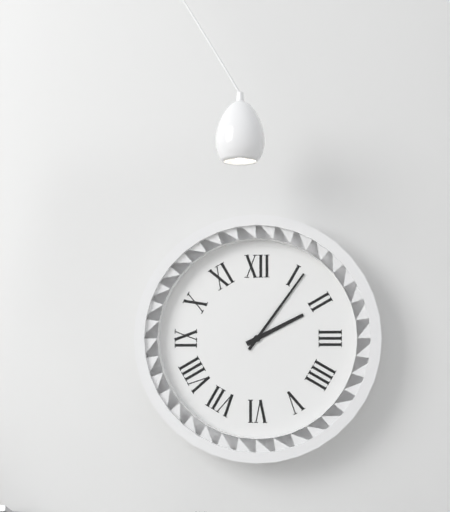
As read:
h=2 m=6
